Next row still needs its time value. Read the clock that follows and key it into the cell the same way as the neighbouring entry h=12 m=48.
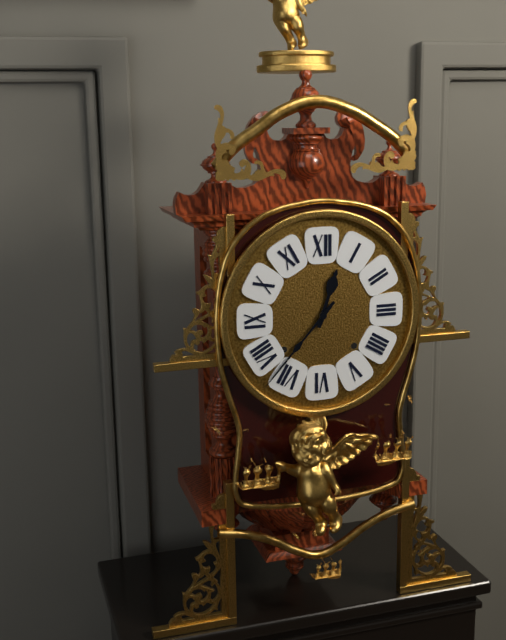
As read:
h=12 m=37
